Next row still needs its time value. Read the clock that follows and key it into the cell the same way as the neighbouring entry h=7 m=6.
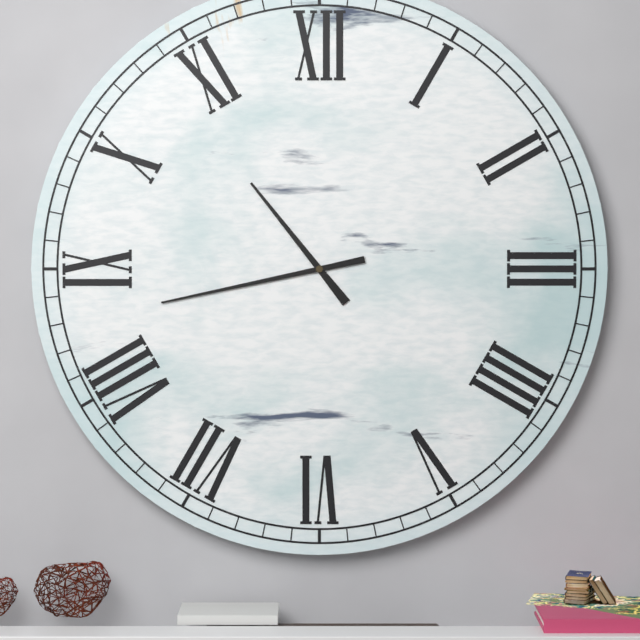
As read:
h=10 m=43
